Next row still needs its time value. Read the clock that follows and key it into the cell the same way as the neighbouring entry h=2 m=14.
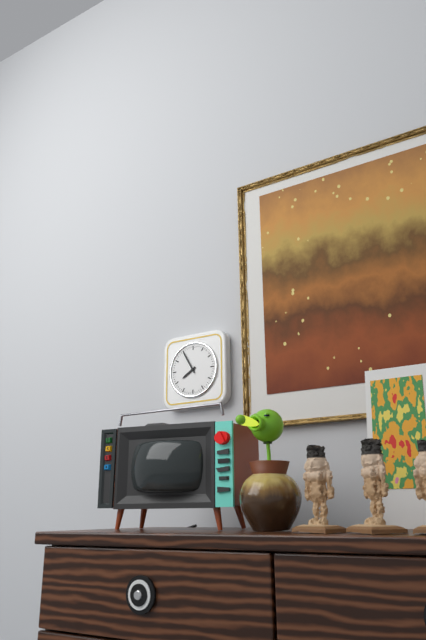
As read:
h=7 m=55
